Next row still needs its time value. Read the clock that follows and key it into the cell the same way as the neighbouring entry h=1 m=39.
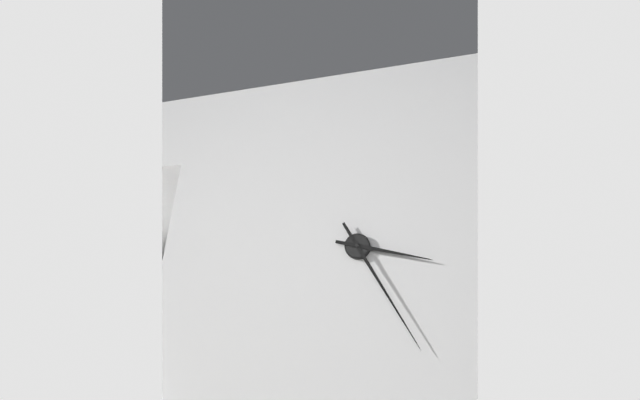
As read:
h=3 m=25
